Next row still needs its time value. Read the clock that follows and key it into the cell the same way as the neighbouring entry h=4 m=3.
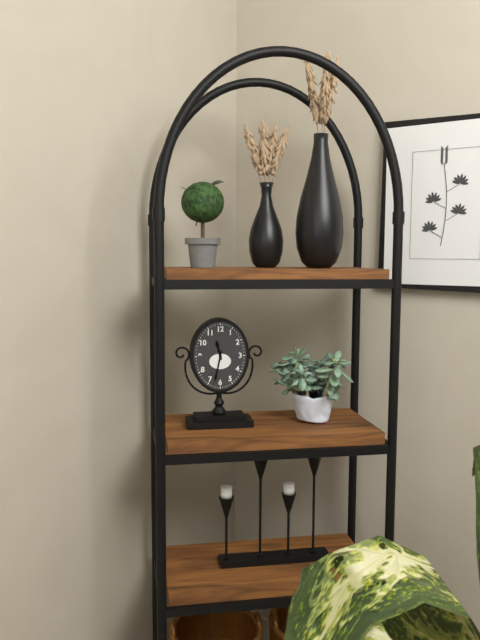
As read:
h=11 m=32
